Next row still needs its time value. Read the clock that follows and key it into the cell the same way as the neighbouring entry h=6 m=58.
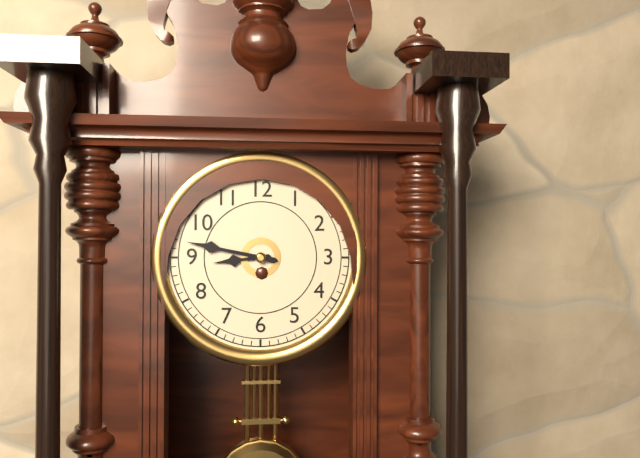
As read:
h=8 m=47
